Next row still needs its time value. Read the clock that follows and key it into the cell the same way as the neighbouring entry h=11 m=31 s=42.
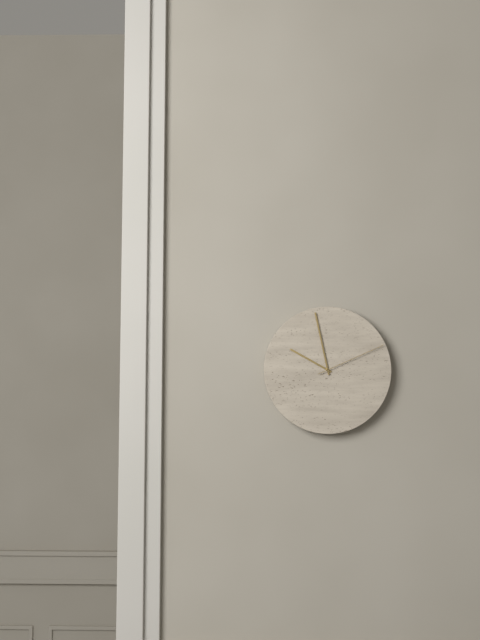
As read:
h=9 m=58 s=11
